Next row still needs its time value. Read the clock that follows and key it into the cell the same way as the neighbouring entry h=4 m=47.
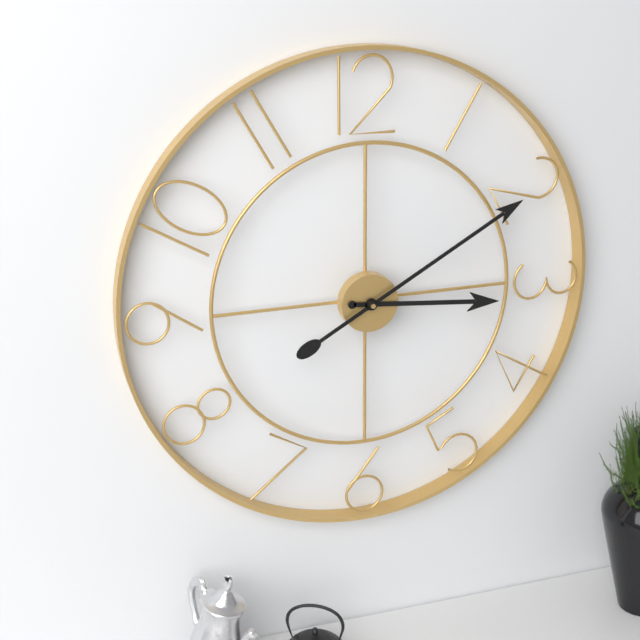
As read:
h=3 m=10
